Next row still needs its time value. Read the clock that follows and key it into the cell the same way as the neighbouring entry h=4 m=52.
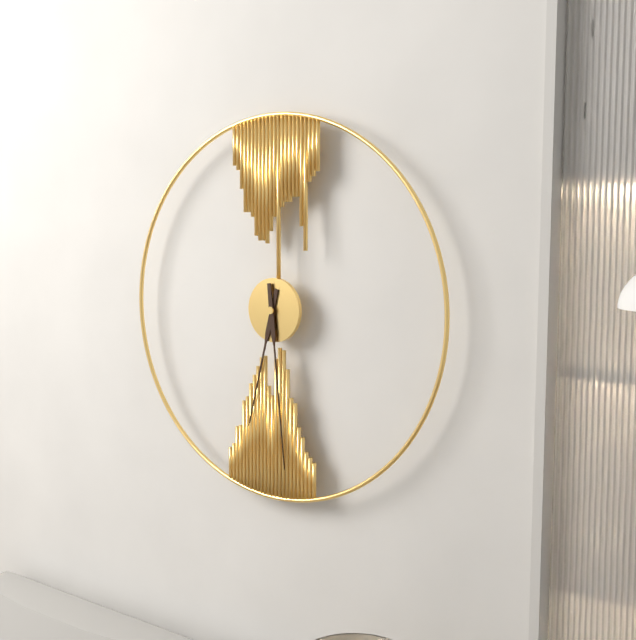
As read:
h=6 m=29
